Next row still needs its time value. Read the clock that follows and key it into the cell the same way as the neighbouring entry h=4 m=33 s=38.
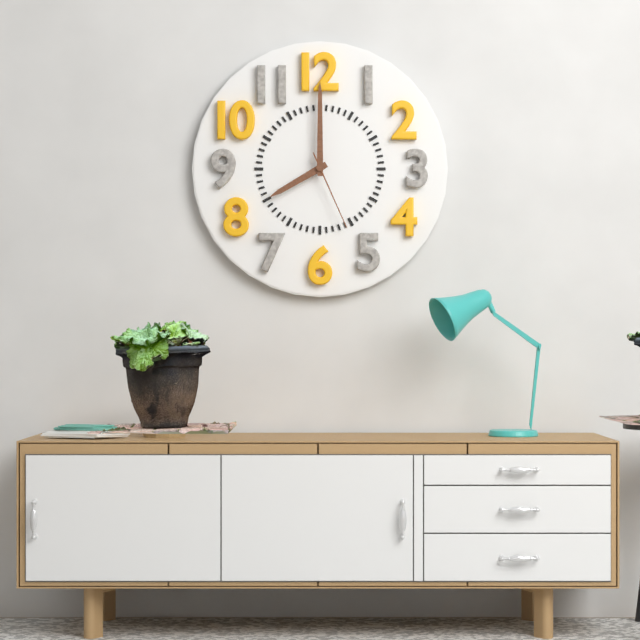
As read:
h=8 m=0 s=26
